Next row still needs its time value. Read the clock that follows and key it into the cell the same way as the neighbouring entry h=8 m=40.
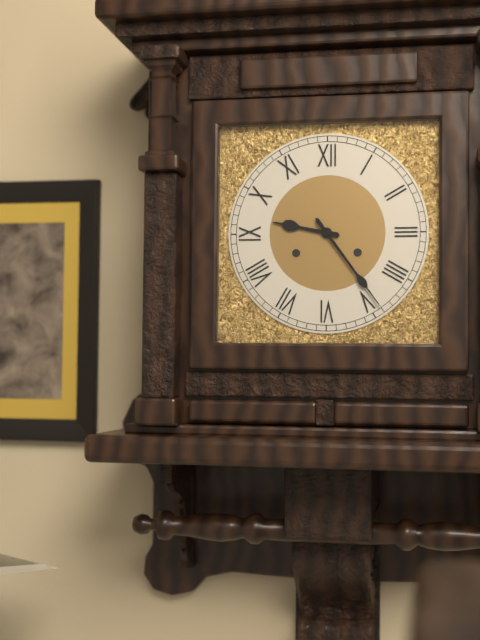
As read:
h=9 m=24
